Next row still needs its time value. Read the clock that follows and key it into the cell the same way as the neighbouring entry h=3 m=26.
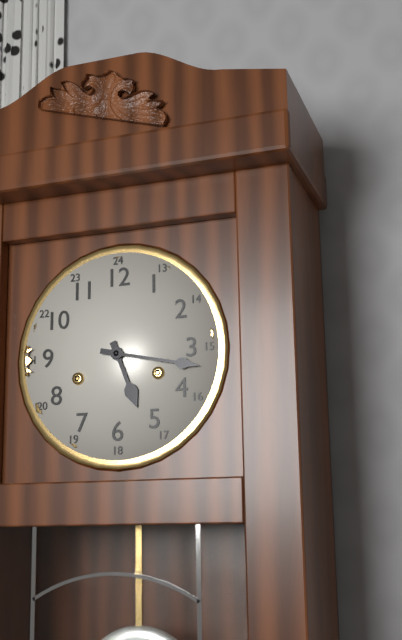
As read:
h=5 m=17
